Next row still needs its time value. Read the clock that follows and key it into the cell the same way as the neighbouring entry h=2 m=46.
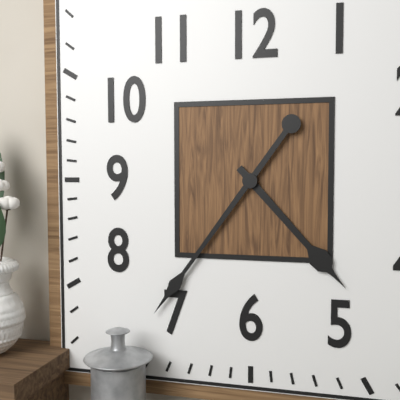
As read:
h=4 m=36
